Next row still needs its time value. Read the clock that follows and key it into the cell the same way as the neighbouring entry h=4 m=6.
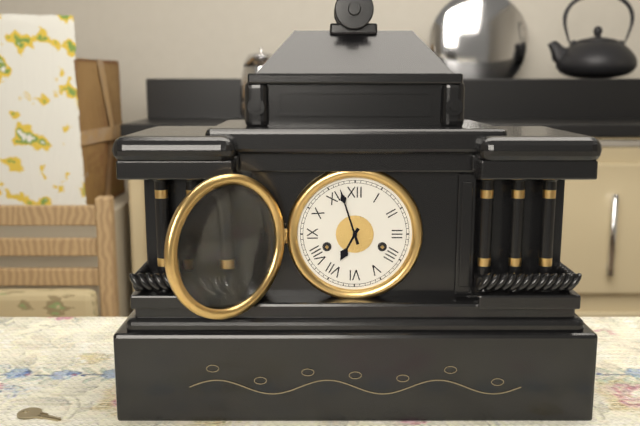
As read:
h=6 m=57
